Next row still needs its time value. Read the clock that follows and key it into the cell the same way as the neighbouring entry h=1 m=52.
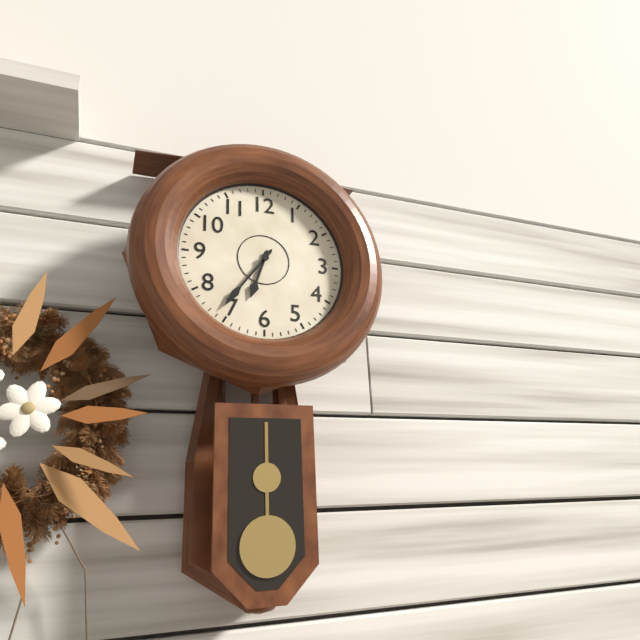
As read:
h=6 m=36
